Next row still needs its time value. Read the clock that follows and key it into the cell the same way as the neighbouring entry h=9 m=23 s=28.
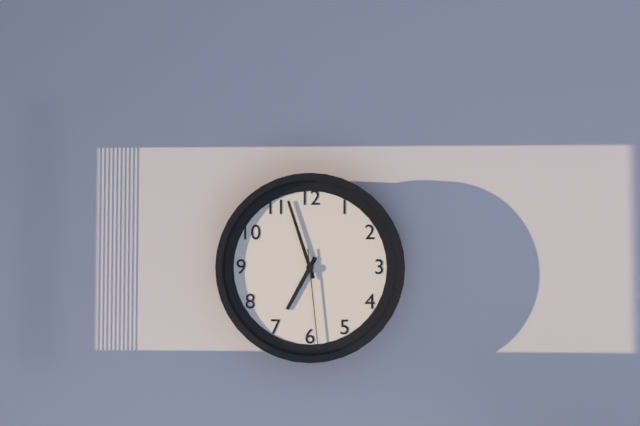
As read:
h=6 m=57 s=29
